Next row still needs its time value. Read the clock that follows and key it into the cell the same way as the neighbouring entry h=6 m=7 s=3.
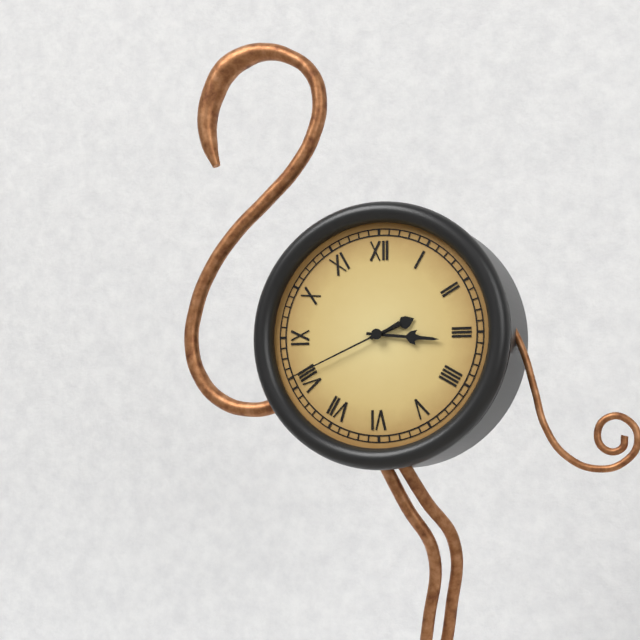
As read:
h=2 m=16 s=41
